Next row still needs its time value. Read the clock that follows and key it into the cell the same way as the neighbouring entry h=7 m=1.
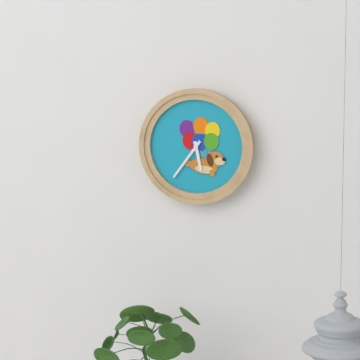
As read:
h=5 m=36
